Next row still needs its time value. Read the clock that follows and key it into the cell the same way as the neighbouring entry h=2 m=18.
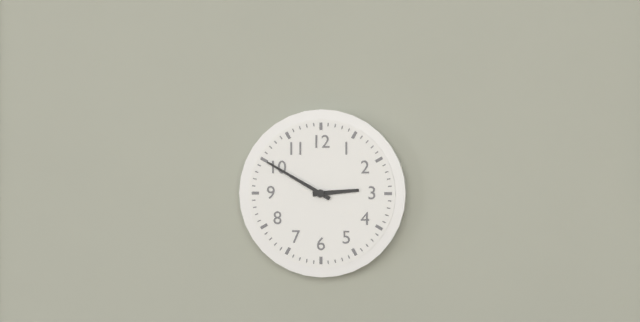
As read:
h=2 m=50
